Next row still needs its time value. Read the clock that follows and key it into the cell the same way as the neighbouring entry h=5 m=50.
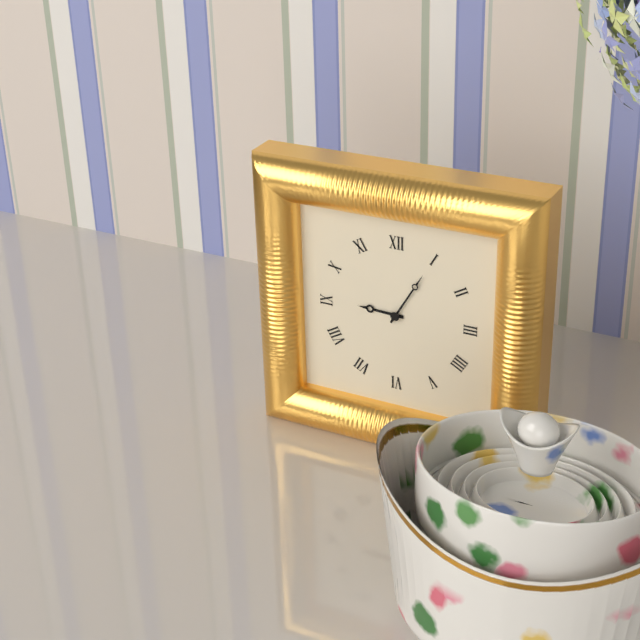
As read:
h=9 m=5
